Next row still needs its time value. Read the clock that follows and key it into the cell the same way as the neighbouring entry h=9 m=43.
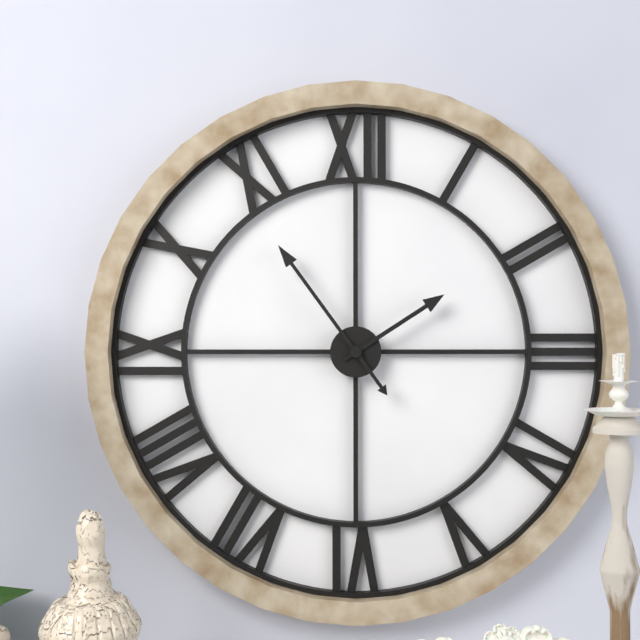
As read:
h=1 m=54
